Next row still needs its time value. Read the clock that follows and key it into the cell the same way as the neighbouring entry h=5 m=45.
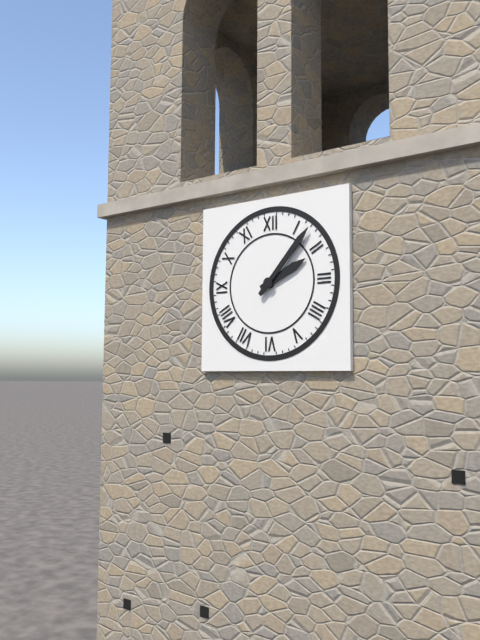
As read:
h=2 m=7
